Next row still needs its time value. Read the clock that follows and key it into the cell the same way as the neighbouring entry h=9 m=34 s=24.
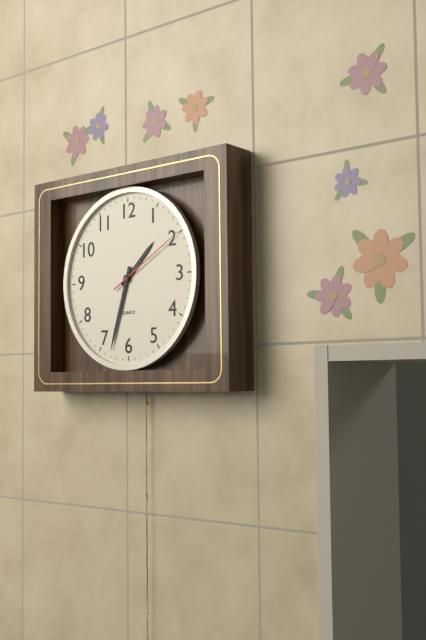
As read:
h=1 m=33 s=10
